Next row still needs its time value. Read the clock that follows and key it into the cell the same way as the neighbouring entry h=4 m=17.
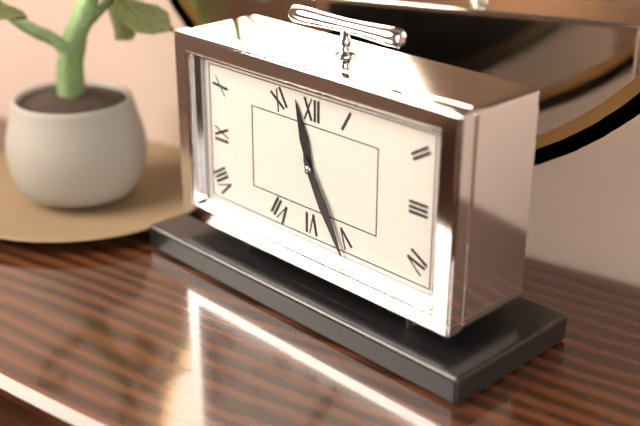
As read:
h=11 m=25
